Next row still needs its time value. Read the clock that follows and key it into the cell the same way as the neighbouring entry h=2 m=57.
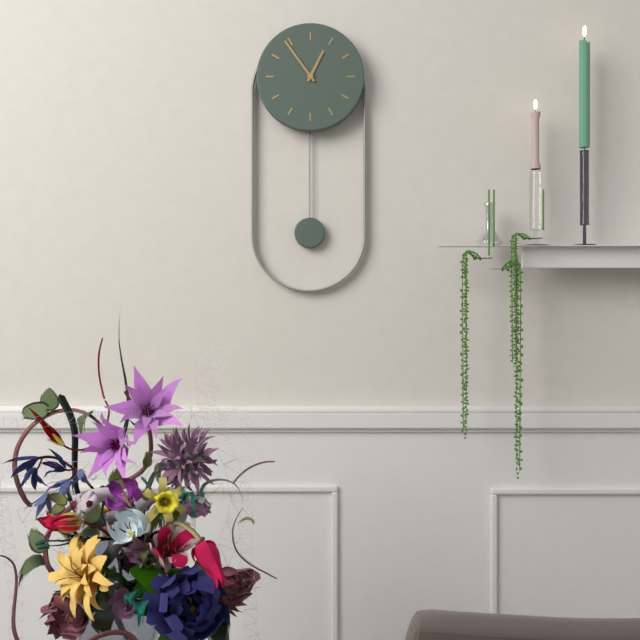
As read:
h=12 m=54
